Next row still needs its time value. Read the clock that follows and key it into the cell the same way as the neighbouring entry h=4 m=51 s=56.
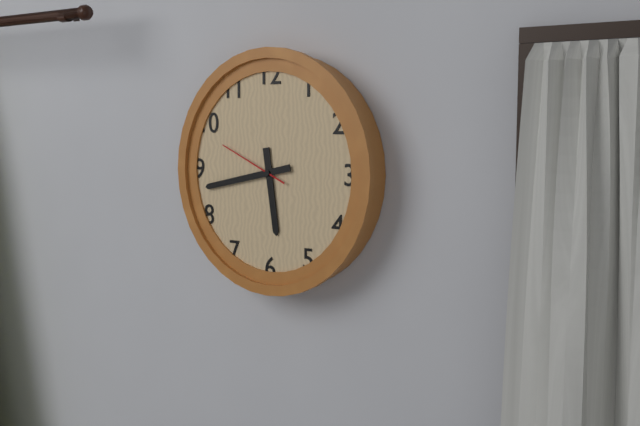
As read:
h=5 m=43 s=49
